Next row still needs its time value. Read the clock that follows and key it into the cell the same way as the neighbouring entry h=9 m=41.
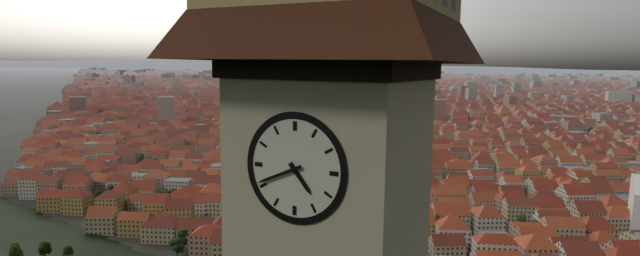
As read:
h=4 m=41
